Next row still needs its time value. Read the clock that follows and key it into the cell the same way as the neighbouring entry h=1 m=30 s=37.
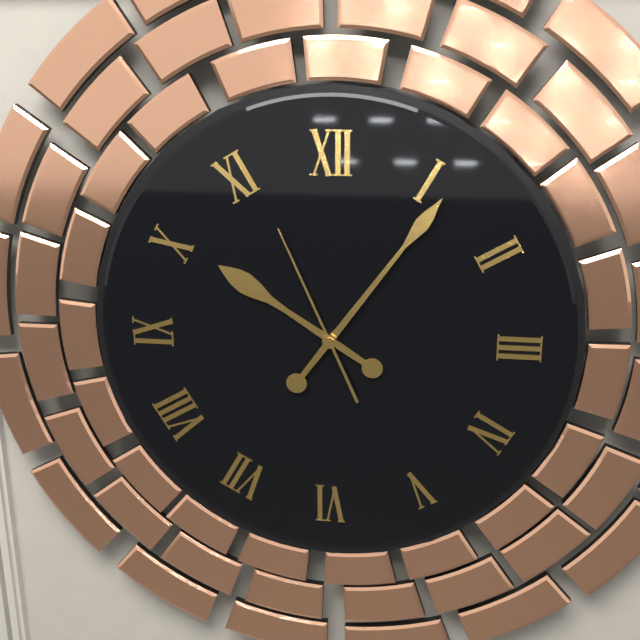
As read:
h=10 m=6 s=56
